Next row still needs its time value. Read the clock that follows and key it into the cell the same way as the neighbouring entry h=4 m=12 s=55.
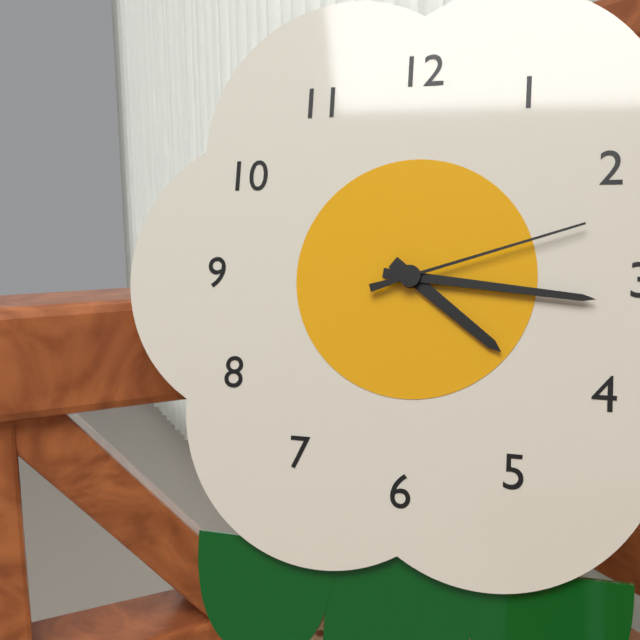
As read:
h=4 m=16 s=12
